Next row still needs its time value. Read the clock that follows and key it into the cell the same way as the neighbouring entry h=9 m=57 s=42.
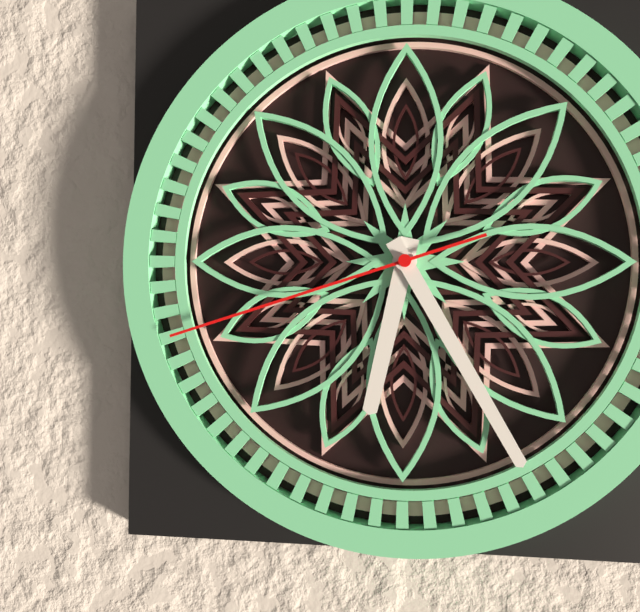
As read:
h=6 m=25 s=42
